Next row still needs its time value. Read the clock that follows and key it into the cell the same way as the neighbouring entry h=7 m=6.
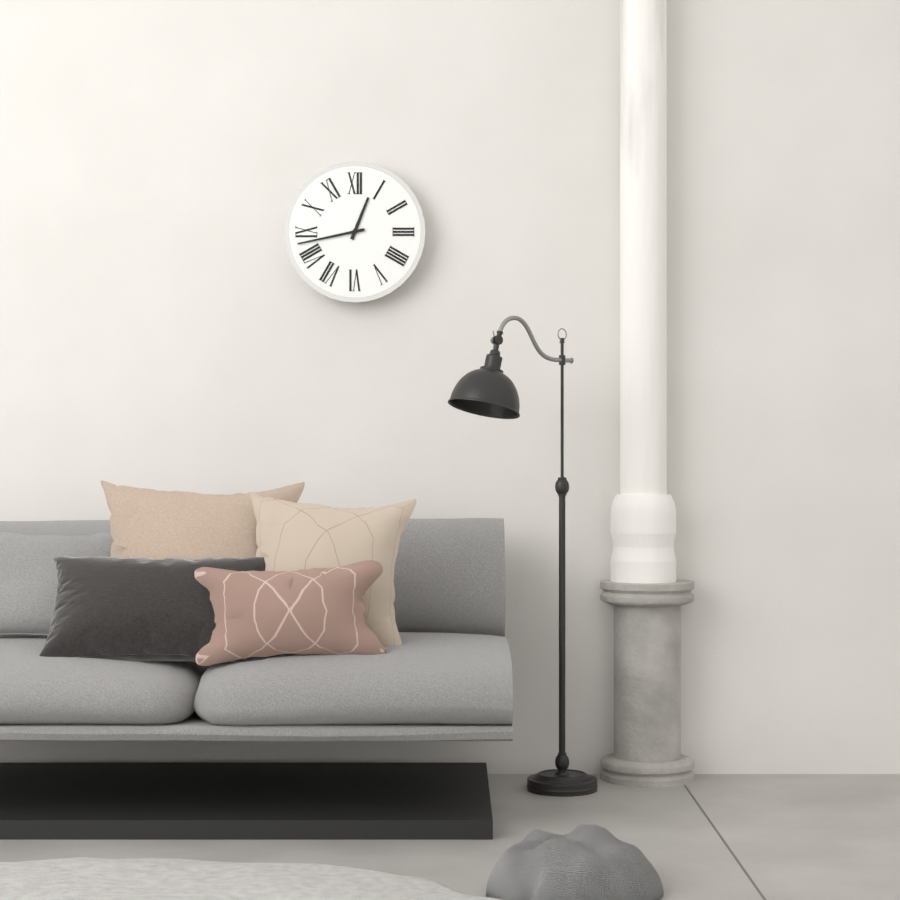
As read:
h=12 m=43
